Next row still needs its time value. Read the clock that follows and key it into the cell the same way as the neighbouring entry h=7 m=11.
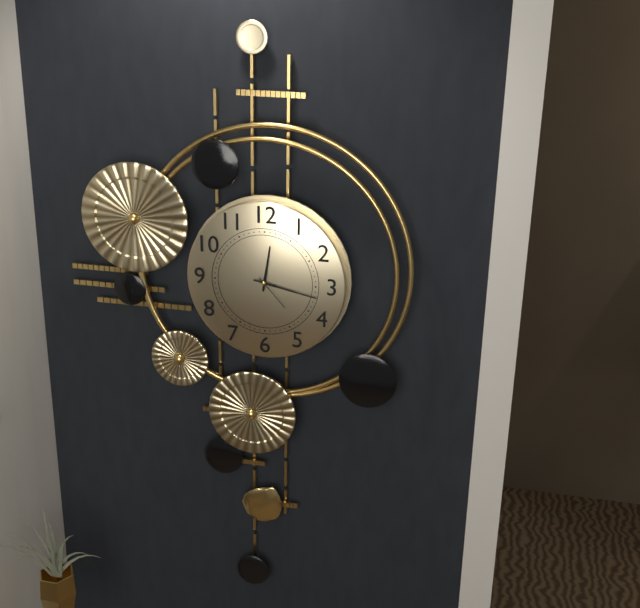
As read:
h=12 m=17
